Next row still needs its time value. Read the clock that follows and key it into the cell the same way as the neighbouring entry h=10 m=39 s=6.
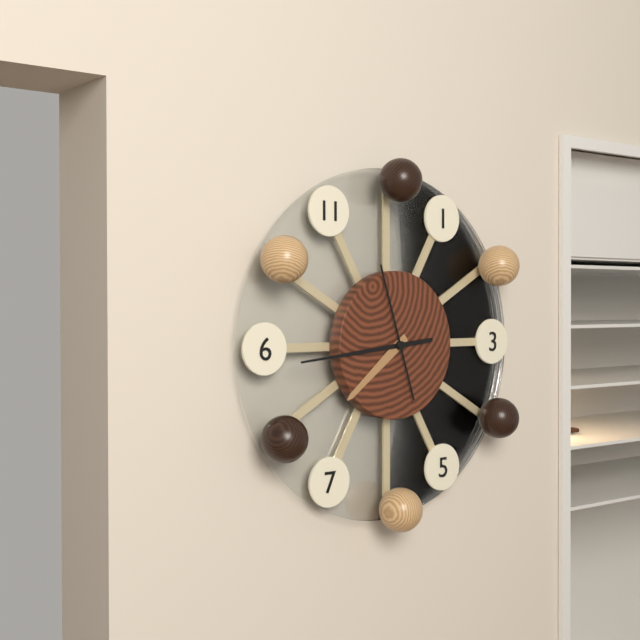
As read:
h=7 m=44 s=57
